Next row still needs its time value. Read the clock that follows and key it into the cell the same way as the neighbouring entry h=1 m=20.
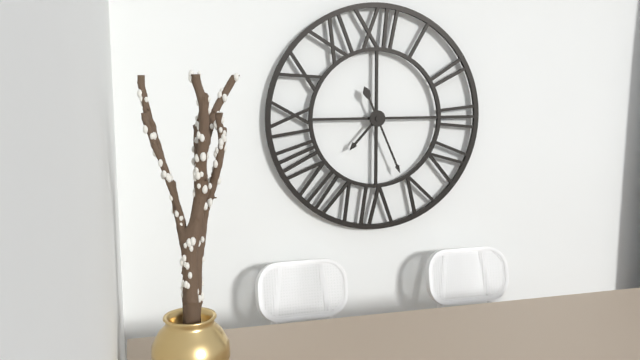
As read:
h=7 m=26
